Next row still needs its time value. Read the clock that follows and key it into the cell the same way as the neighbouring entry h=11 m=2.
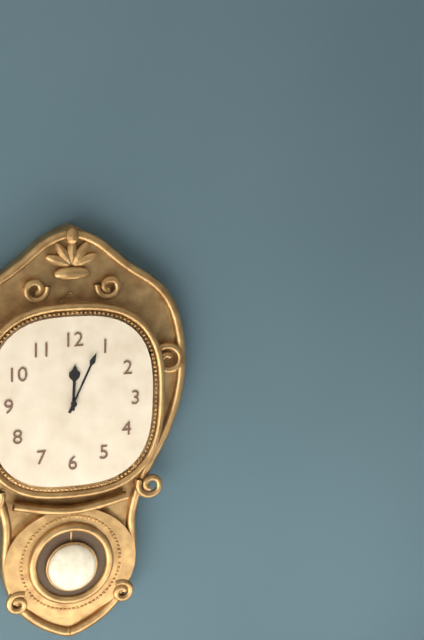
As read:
h=12 m=4
